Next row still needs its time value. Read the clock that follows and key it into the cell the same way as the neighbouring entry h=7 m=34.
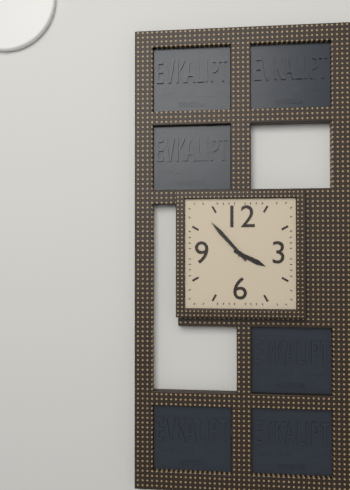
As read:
h=3 m=53
